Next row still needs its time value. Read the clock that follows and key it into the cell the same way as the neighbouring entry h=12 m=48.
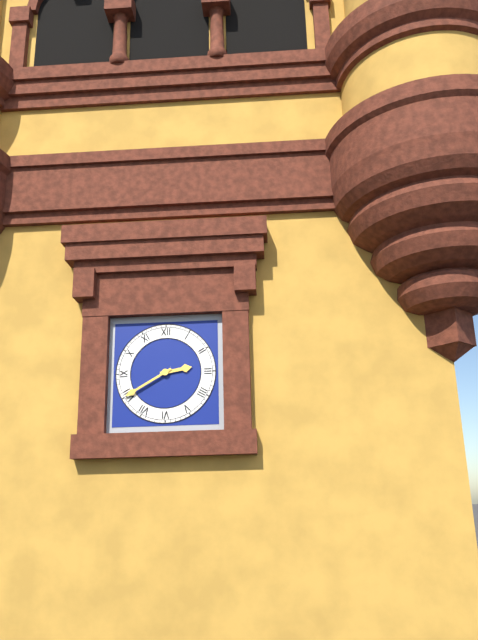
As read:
h=2 m=40
